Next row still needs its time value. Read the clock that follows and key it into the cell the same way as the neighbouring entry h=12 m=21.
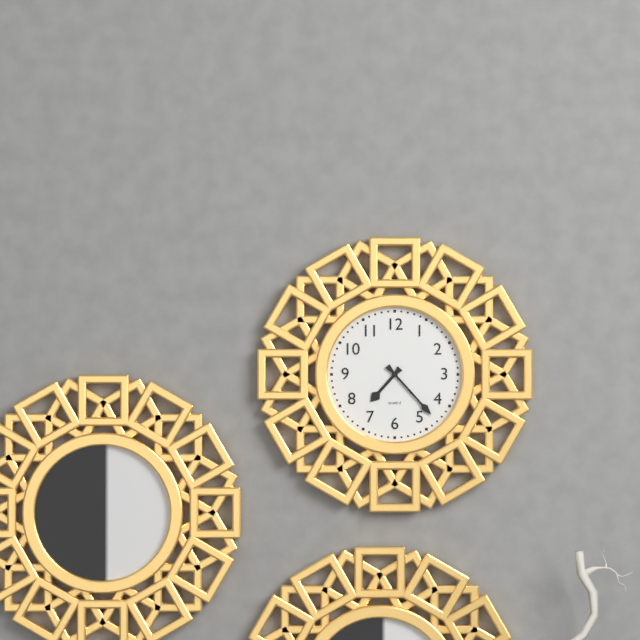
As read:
h=7 m=23
